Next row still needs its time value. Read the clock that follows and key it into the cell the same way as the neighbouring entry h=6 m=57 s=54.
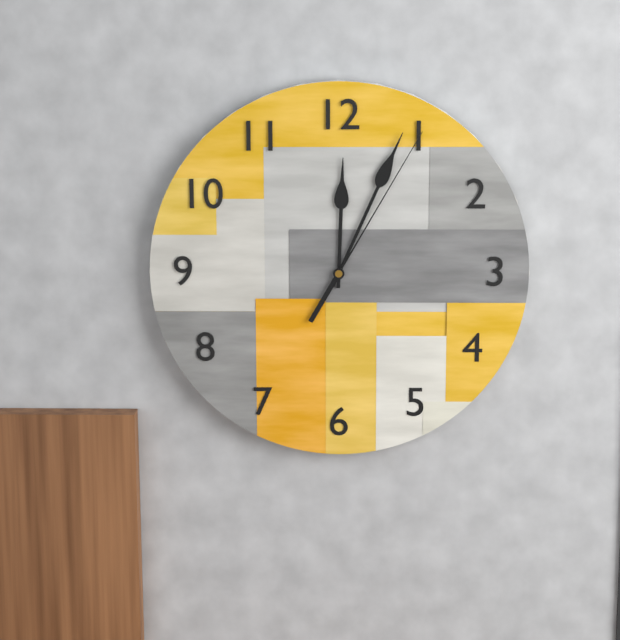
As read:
h=12 m=4 s=5
